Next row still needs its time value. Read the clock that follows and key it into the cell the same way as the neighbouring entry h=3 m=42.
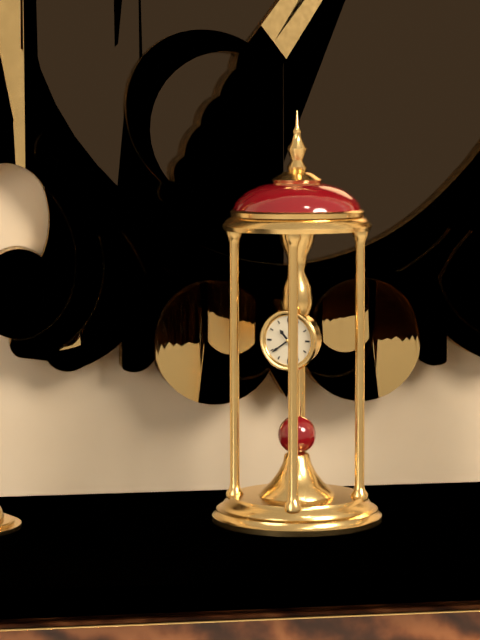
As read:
h=10 m=39
